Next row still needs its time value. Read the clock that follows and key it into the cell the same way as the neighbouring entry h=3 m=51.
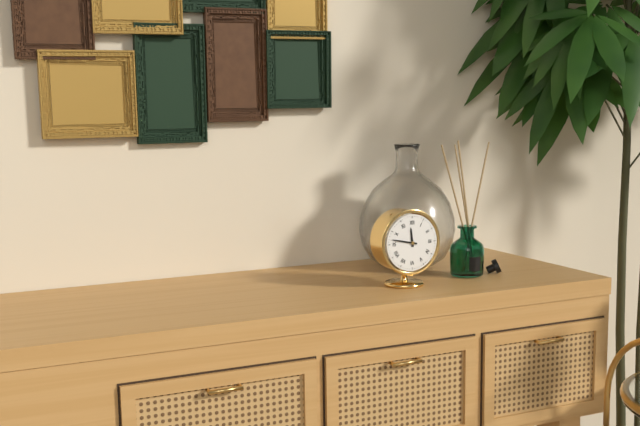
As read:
h=11 m=47
